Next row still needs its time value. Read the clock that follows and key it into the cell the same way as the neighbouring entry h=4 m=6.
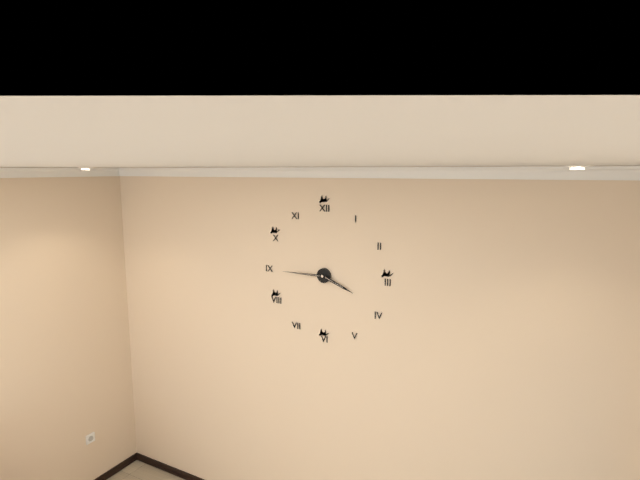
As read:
h=3 m=45
